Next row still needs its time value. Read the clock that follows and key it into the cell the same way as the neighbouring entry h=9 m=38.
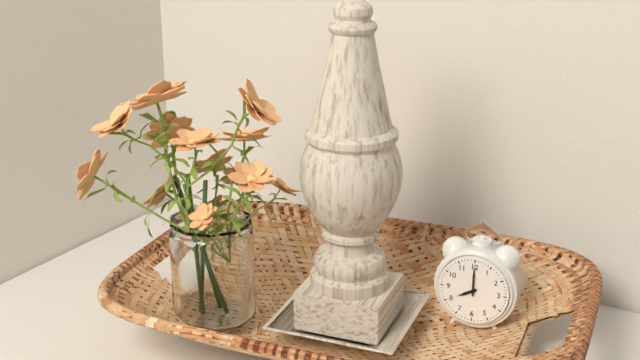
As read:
h=8 m=0
